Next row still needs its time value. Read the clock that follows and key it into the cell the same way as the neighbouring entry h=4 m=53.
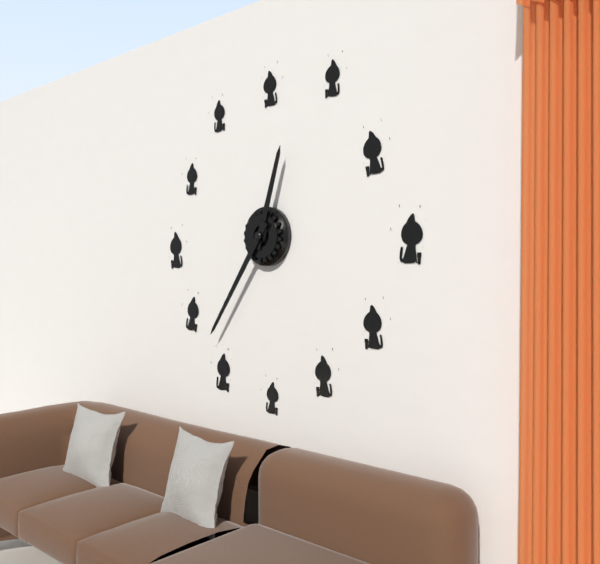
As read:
h=12 m=36
